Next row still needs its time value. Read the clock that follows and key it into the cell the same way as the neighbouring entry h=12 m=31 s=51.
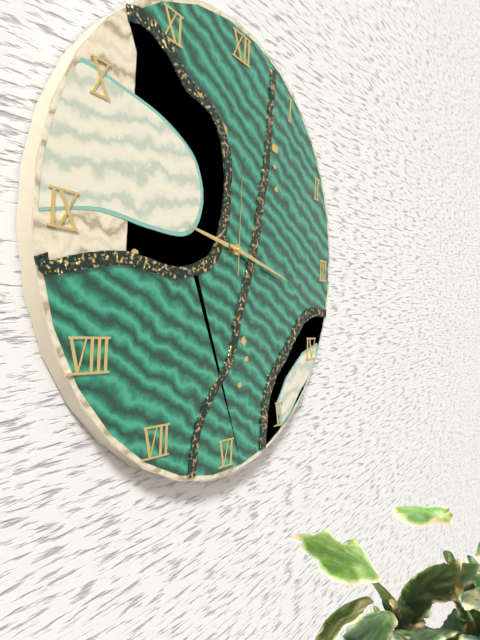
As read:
h=9 m=17 s=0
